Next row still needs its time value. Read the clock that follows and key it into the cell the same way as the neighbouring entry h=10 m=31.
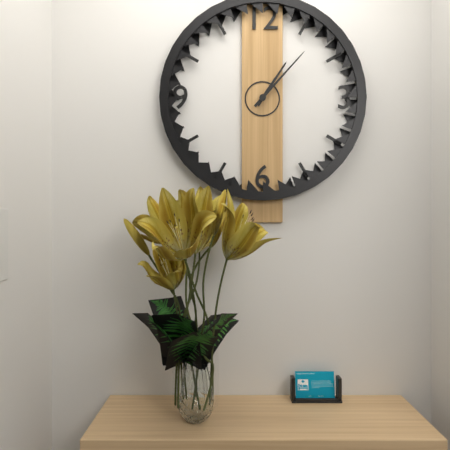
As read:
h=1 m=7
